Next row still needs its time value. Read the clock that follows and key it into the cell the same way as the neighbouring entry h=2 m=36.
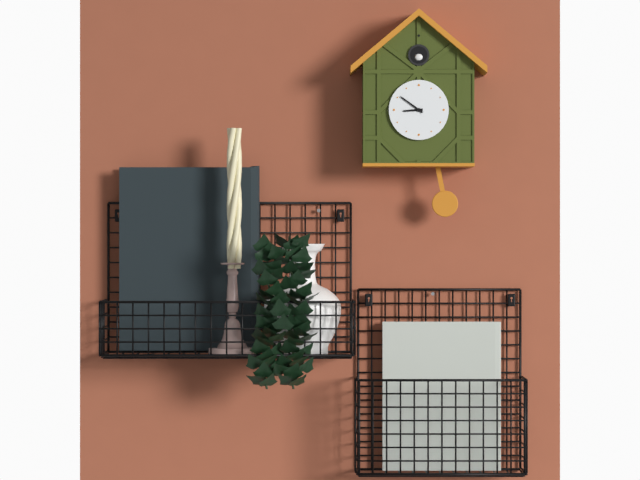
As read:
h=8 m=51
